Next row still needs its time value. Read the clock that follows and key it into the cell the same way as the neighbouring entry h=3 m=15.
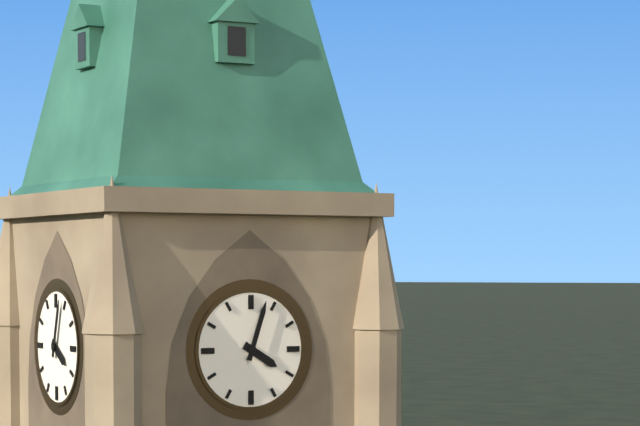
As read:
h=4 m=3
